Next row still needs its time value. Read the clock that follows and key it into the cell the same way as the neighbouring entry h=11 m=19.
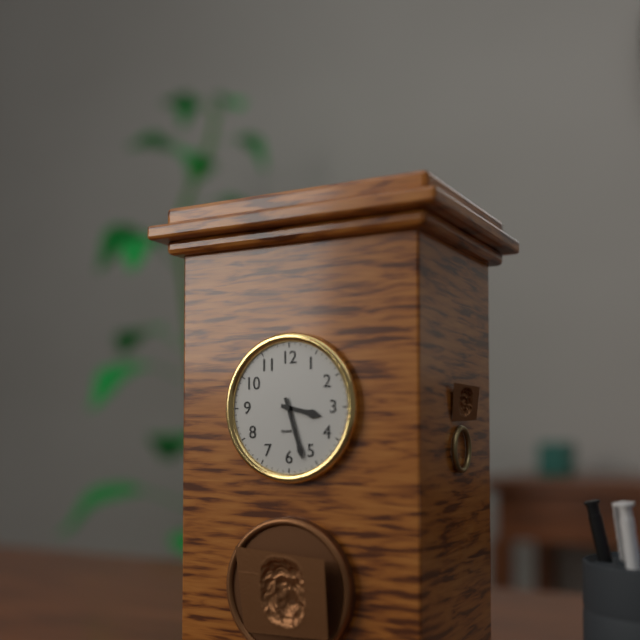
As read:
h=3 m=27
